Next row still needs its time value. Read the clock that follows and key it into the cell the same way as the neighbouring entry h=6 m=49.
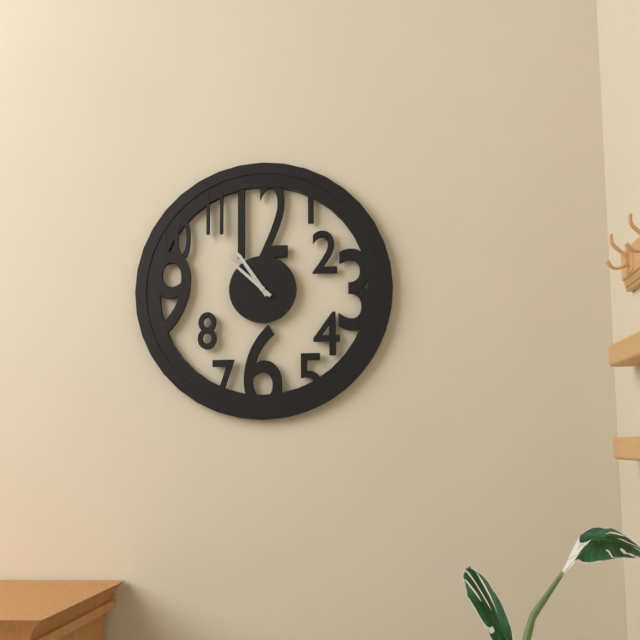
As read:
h=10 m=52
